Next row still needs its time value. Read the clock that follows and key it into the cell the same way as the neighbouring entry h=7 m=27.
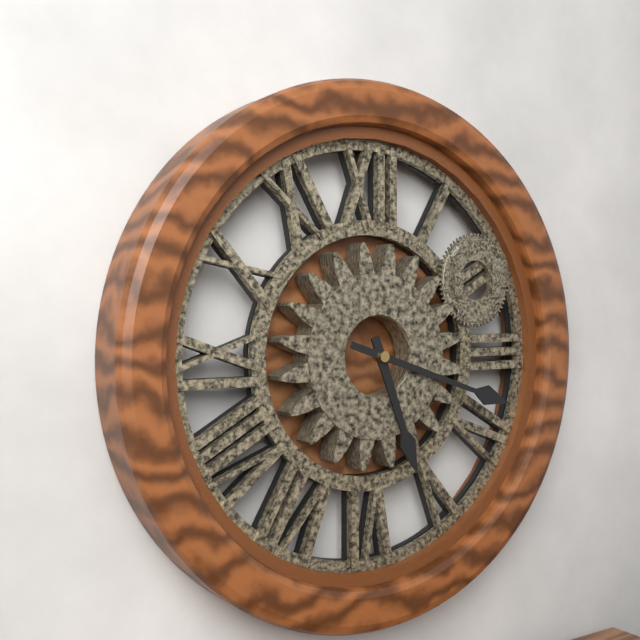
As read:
h=5 m=18
